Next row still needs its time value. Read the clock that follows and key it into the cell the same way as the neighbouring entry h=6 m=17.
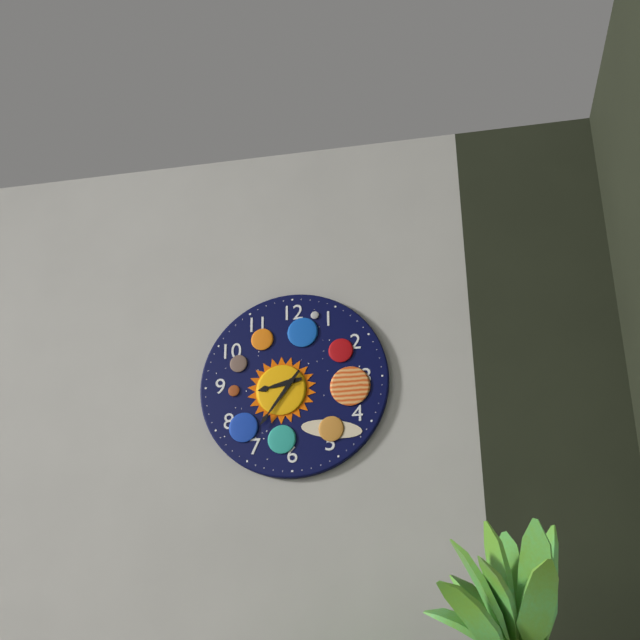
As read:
h=8 m=36
